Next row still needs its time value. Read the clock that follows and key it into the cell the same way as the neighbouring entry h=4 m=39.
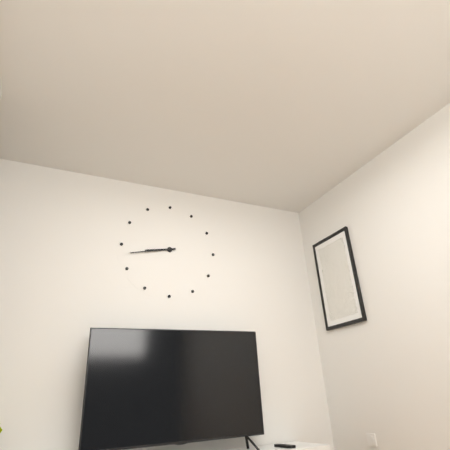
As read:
h=8 m=43
